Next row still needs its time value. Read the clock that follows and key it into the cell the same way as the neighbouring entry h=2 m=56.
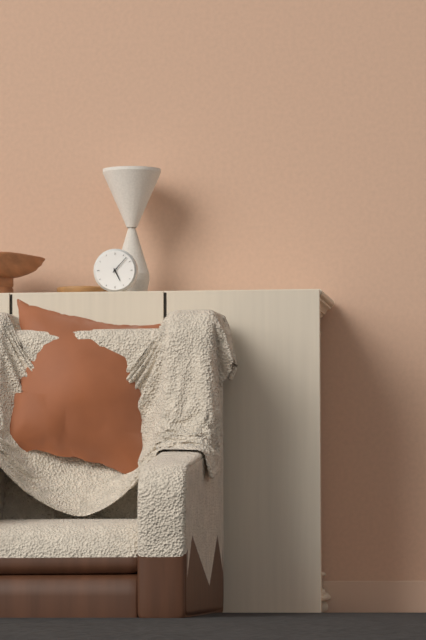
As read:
h=5 m=7
